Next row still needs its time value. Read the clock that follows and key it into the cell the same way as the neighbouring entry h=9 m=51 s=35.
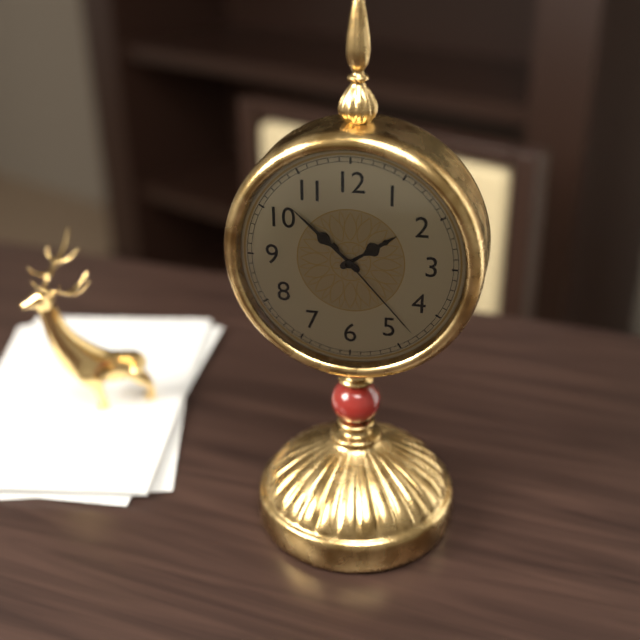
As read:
h=1 m=52 s=23
